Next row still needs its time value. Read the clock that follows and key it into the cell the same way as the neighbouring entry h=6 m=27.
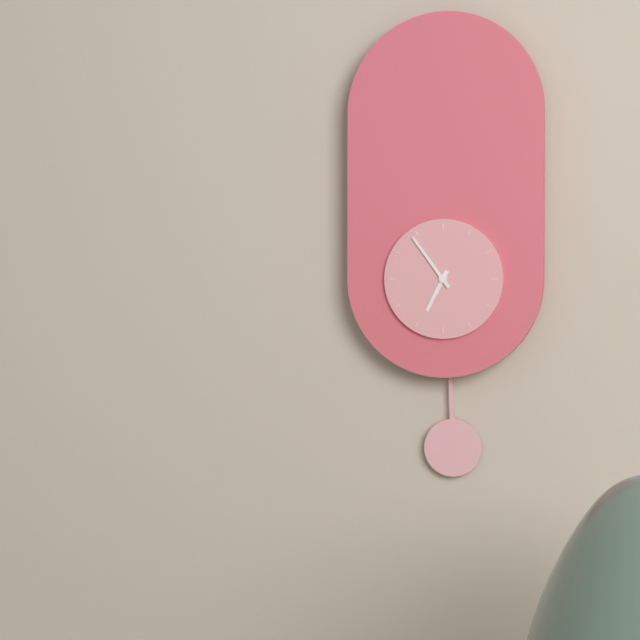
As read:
h=6 m=54
